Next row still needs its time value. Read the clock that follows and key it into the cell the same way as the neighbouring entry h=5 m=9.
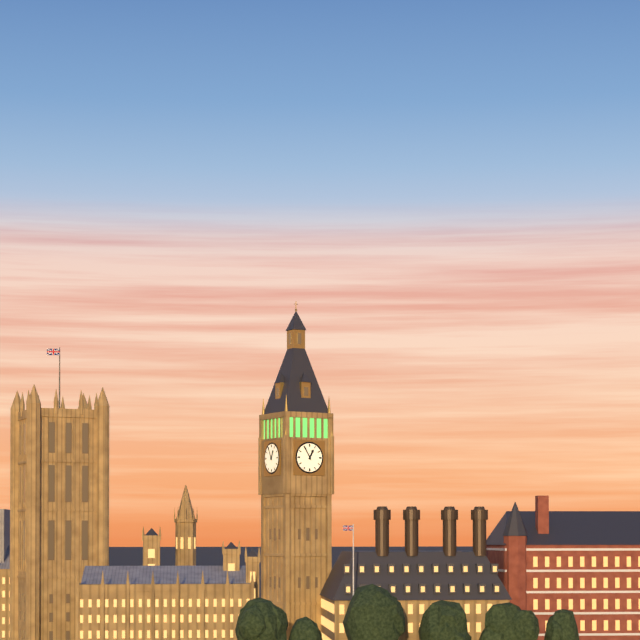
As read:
h=12 m=55
